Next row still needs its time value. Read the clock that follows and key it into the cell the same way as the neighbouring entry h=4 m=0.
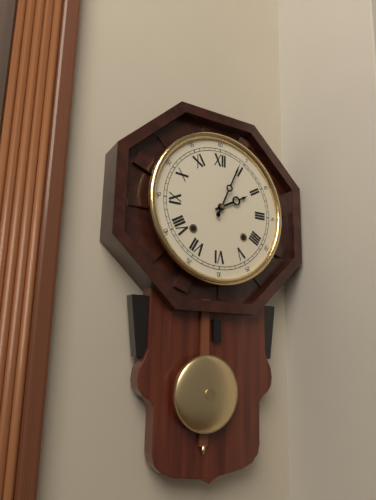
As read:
h=2 m=4
